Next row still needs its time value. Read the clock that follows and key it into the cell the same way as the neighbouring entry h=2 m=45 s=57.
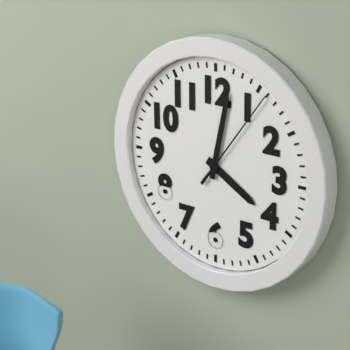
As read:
h=4 m=2 s=6
